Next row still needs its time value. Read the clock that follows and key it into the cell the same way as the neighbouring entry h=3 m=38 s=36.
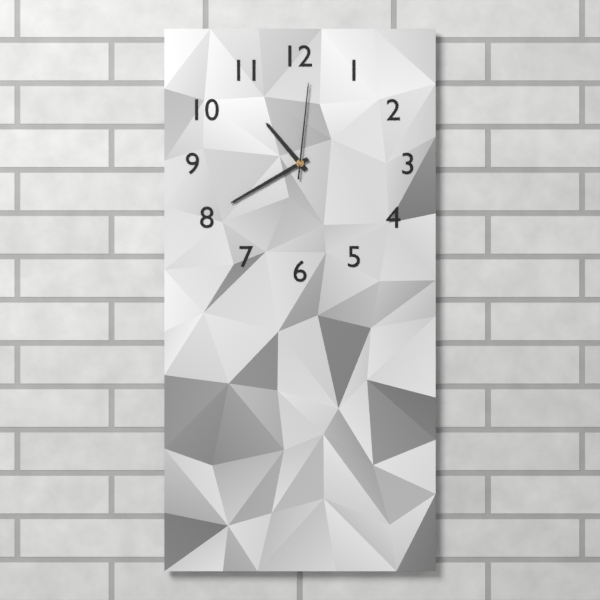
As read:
h=10 m=40 s=1
